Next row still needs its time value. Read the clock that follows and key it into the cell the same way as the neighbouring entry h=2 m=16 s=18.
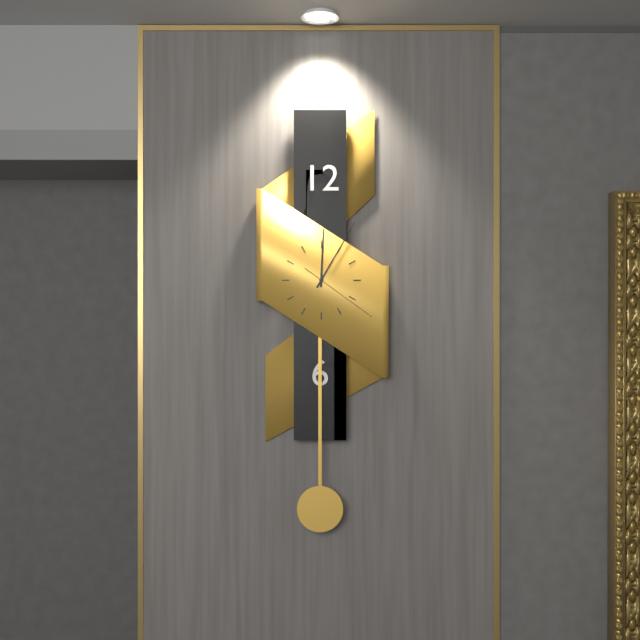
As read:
h=12 m=5 s=21
